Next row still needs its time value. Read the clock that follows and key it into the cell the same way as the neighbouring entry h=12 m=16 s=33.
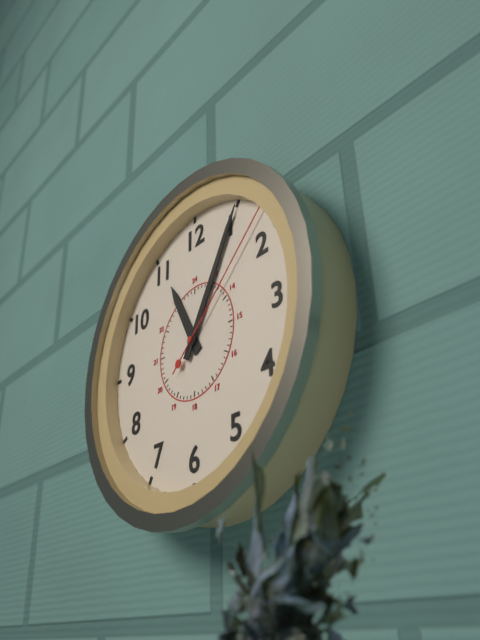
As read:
h=11 m=5 s=8
